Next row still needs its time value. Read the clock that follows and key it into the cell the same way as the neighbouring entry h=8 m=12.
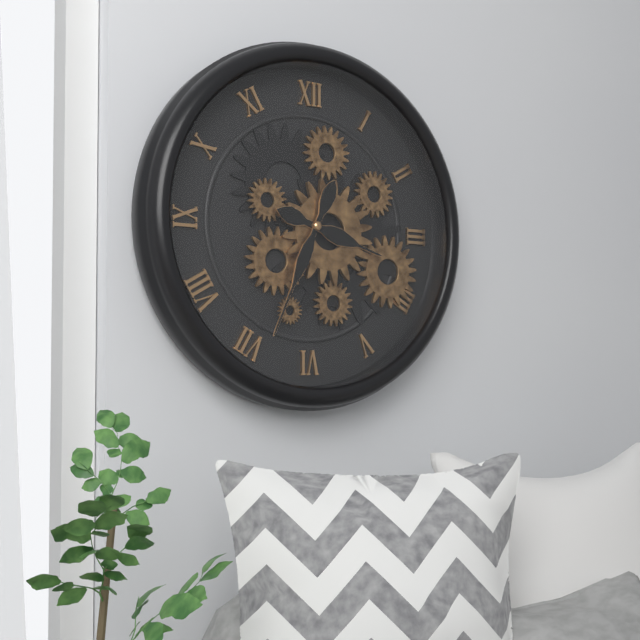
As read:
h=3 m=34
